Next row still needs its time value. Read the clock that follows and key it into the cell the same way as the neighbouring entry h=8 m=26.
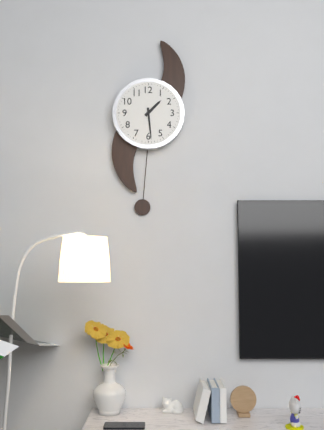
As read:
h=1 m=29
